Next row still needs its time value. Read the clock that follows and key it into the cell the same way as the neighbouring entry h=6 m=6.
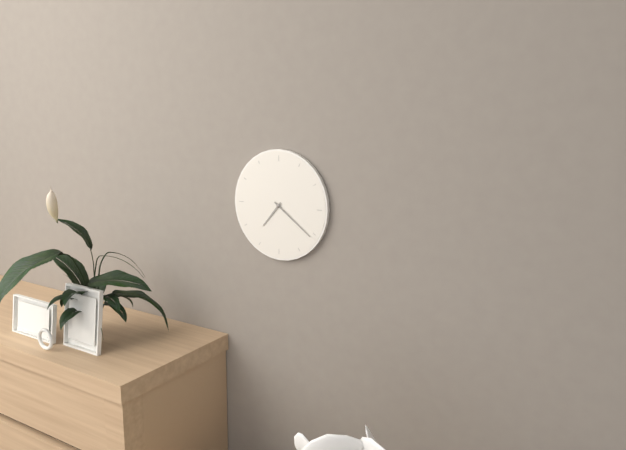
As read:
h=7 m=21
